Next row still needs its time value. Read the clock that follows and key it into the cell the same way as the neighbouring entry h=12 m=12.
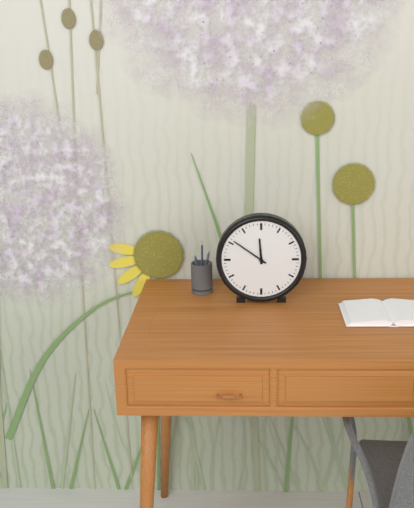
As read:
h=11 m=51
